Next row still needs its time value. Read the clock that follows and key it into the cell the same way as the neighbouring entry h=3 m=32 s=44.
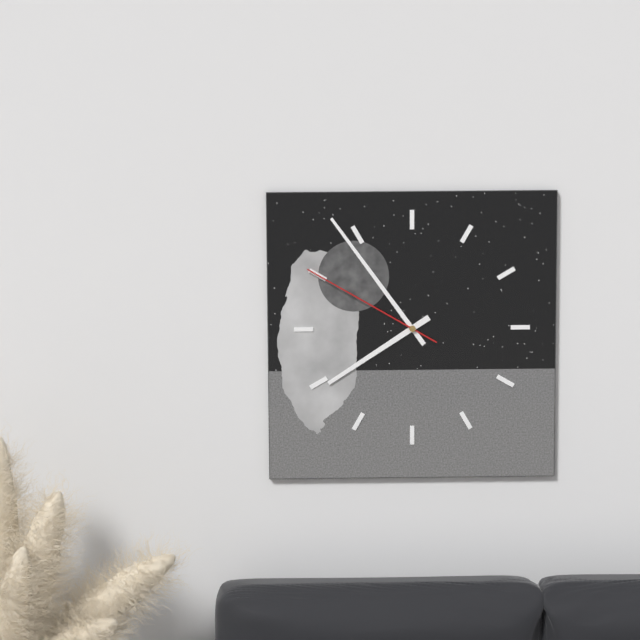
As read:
h=7 m=54 s=50
